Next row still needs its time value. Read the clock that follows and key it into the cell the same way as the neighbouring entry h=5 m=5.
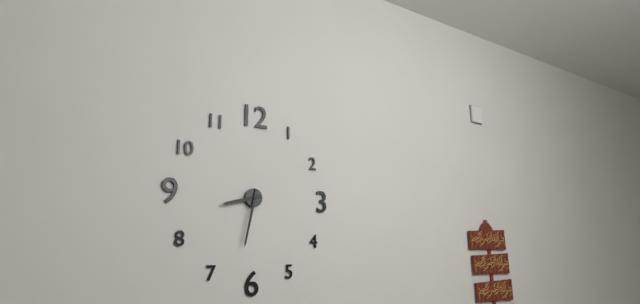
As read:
h=8 m=32
